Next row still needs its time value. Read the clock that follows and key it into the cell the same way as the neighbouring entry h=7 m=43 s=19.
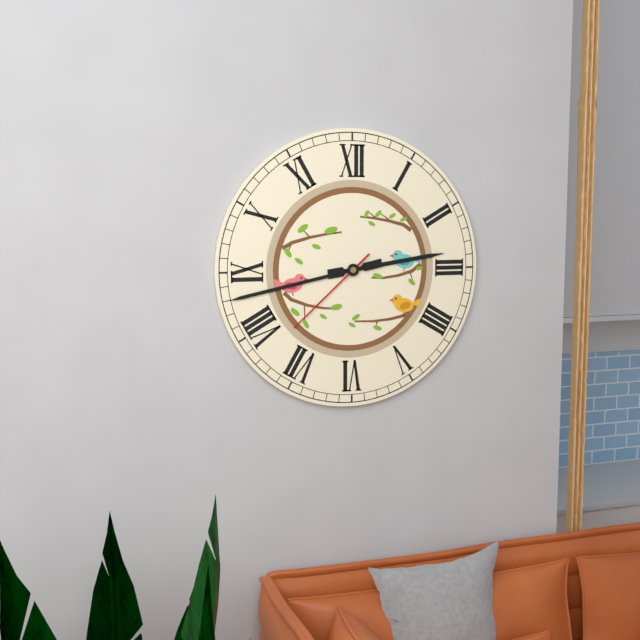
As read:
h=2 m=43 s=38
